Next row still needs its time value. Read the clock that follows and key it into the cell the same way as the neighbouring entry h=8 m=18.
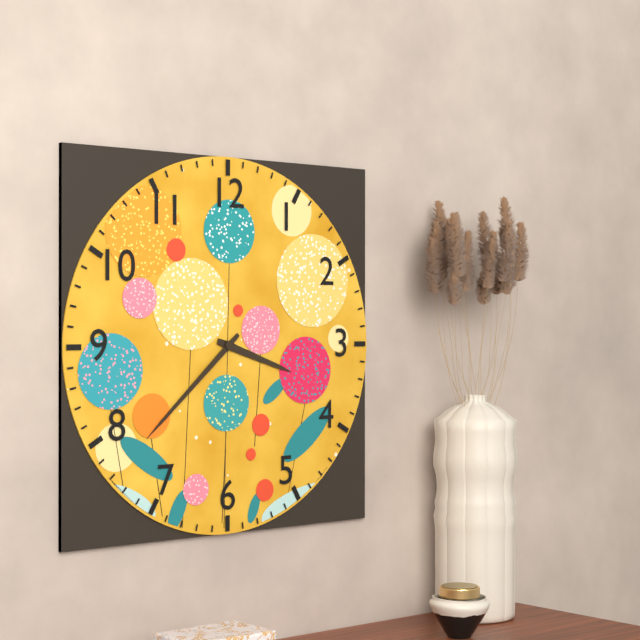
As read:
h=3 m=38
